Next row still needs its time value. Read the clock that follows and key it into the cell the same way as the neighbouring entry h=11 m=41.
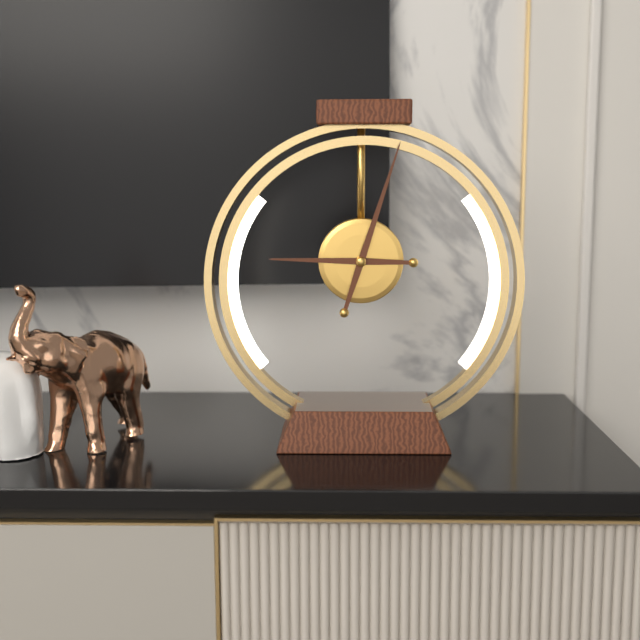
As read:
h=9 m=3
